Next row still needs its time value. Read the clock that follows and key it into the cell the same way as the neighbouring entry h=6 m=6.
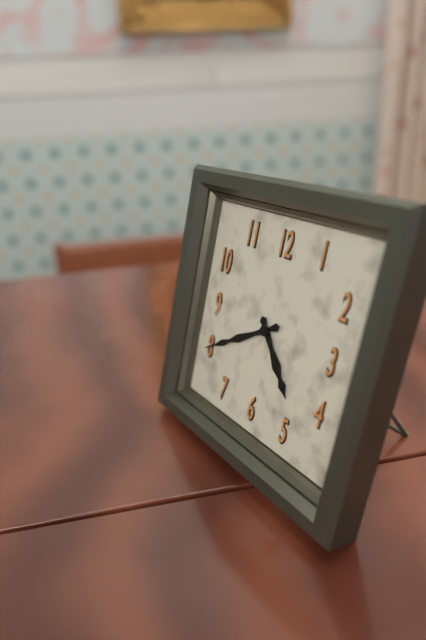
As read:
h=4 m=40
